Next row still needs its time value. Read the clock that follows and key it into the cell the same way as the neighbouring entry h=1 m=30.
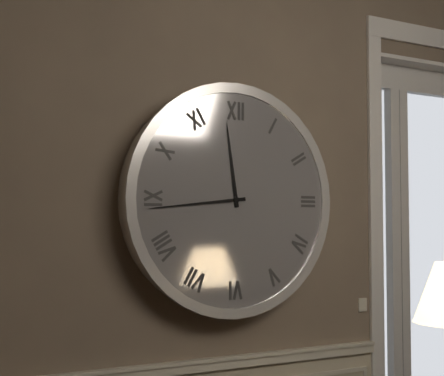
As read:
h=11 m=44
